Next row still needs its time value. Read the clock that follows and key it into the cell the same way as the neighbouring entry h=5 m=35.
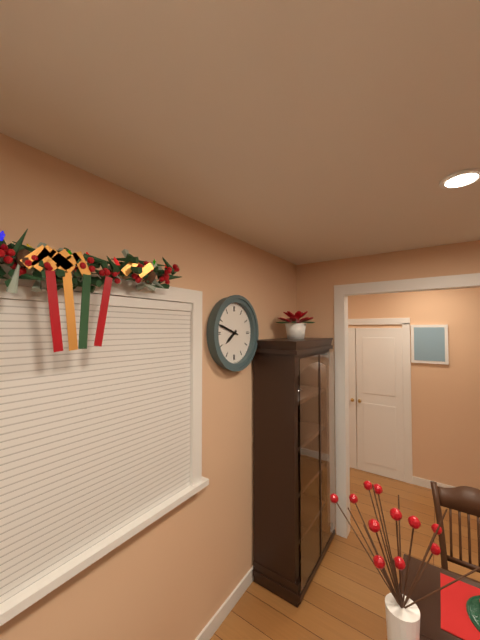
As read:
h=7 m=48
